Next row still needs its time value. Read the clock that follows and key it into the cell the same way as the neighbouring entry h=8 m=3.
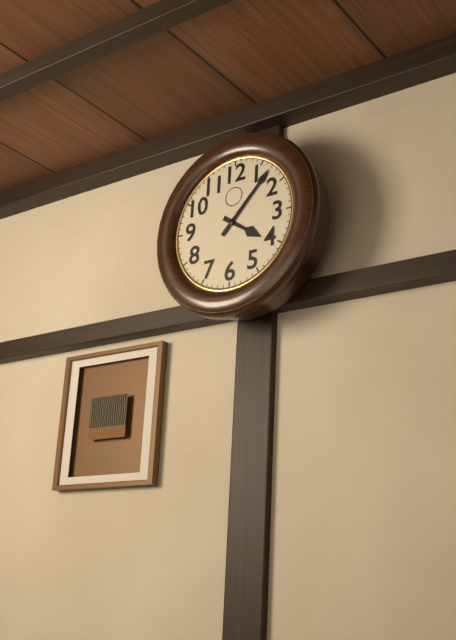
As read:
h=4 m=7
